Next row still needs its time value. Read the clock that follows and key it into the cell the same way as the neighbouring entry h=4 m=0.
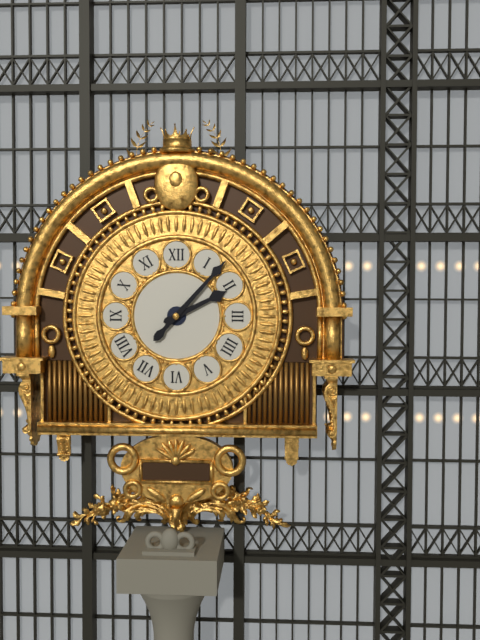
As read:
h=2 m=7
